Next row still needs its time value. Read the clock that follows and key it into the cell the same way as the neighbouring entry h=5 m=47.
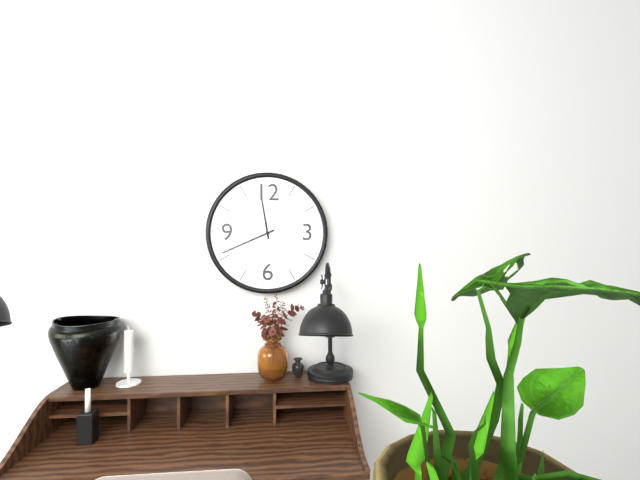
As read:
h=11 m=41
